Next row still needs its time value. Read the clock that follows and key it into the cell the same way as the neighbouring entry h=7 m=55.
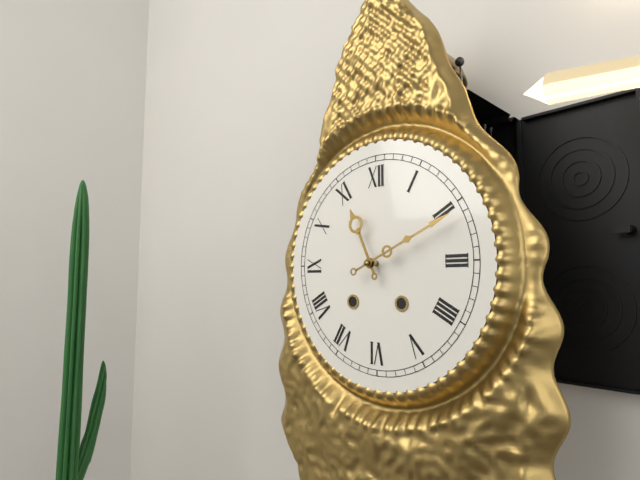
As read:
h=11 m=11
